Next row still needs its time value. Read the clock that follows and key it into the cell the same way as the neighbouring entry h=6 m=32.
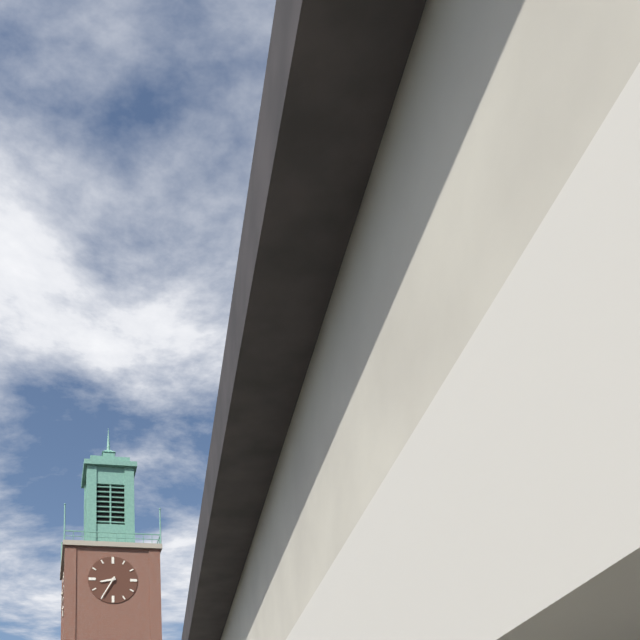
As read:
h=8 m=35
